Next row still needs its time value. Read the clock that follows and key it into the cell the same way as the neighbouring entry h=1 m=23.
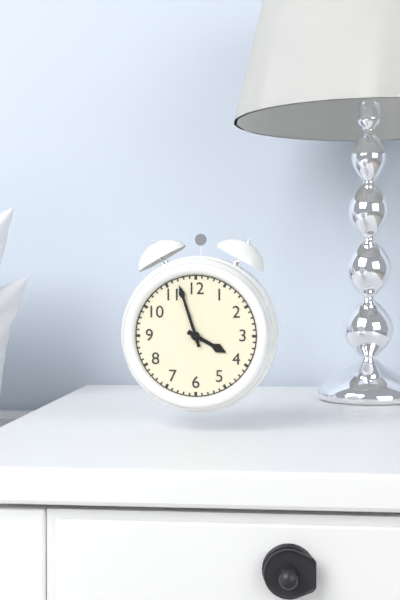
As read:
h=3 m=57
